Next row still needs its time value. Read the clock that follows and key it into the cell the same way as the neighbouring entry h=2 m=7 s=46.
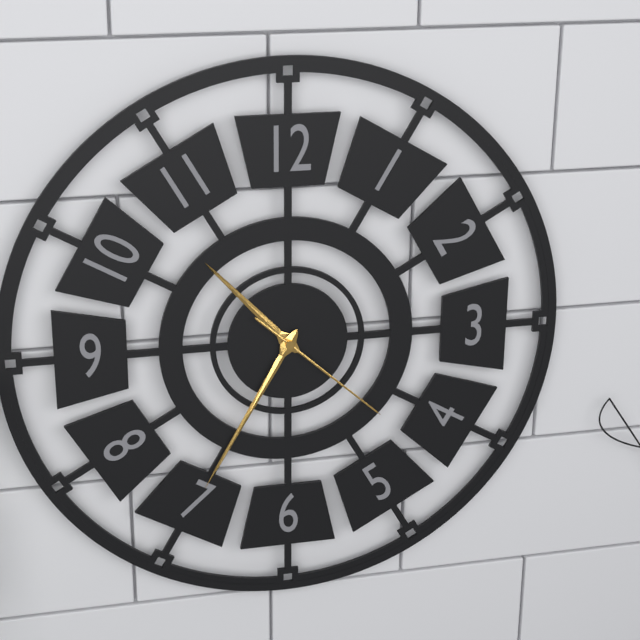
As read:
h=10 m=35 s=22
